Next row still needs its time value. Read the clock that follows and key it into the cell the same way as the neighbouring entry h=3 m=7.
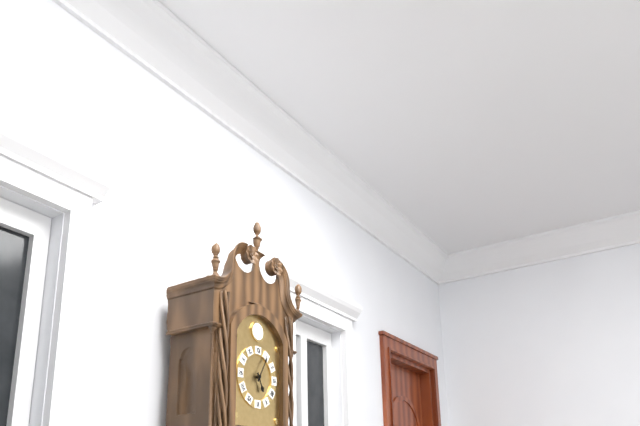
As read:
h=5 m=5
